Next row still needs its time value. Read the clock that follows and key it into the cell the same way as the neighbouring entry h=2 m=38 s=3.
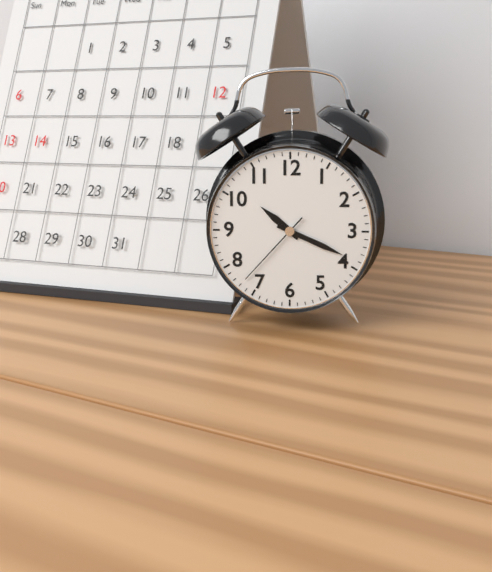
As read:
h=10 m=19 s=37
